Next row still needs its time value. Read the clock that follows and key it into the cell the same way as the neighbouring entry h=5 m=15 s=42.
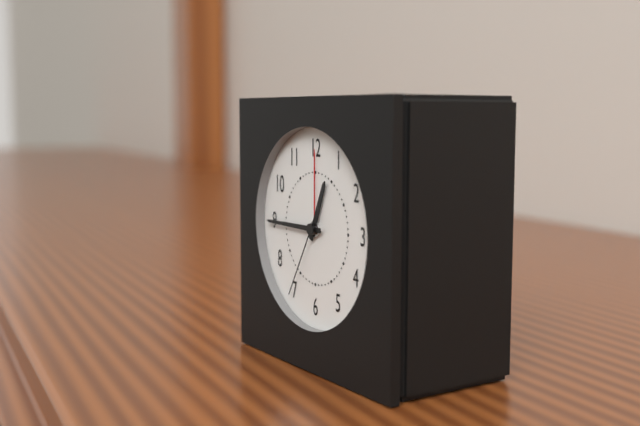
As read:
h=12 m=45 s=35
